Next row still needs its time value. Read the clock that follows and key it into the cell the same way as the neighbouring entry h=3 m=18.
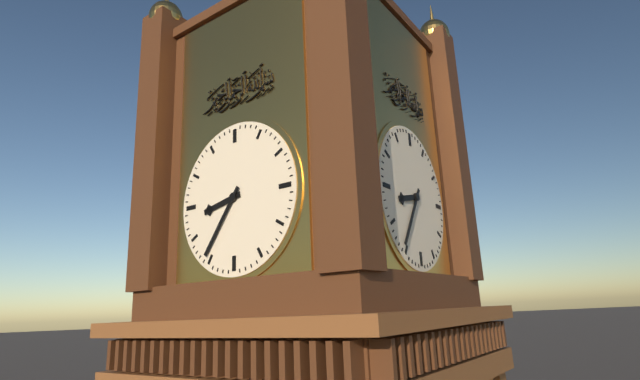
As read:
h=8 m=36
